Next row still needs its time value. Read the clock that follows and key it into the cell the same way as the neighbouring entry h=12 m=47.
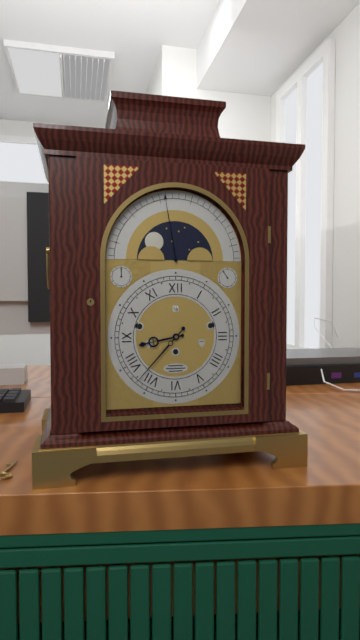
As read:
h=8 m=37
